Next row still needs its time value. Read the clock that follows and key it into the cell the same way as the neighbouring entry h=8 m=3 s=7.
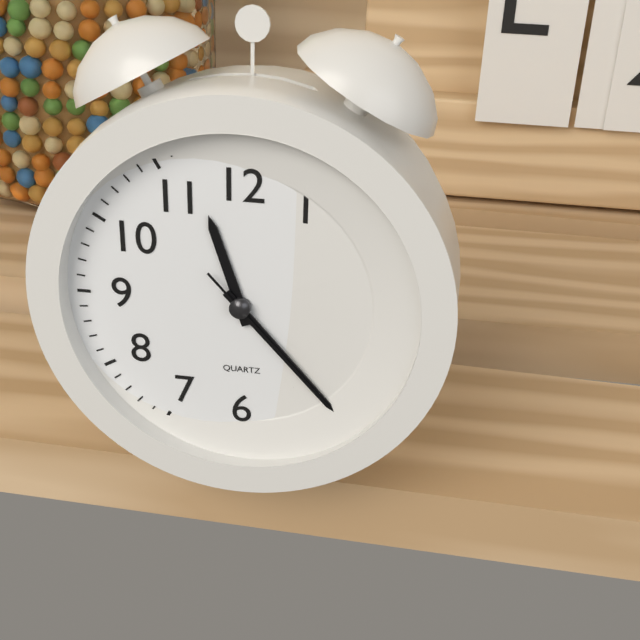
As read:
h=11 m=23 s=23
